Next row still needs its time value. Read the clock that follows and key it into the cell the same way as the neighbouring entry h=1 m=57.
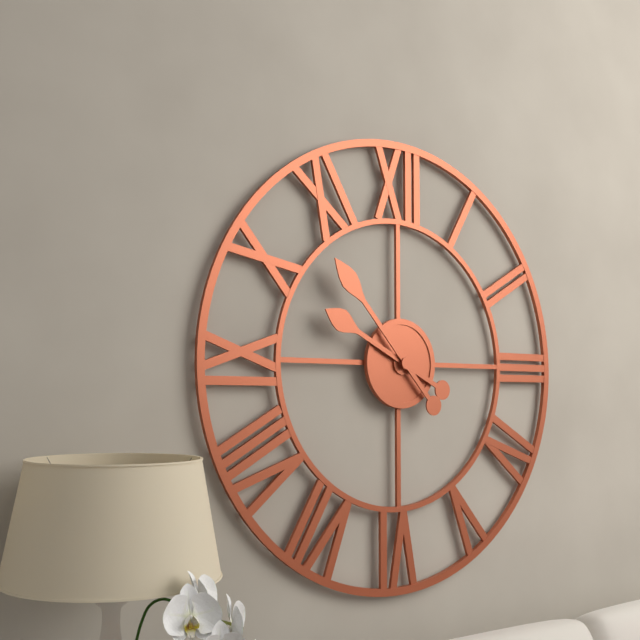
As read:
h=9 m=53
